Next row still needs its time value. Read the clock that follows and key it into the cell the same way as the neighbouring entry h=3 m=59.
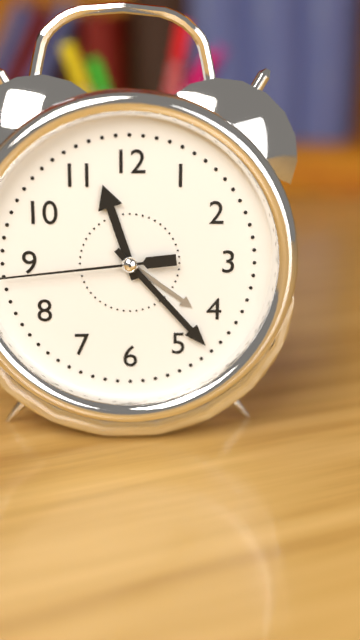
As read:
h=11 m=23
